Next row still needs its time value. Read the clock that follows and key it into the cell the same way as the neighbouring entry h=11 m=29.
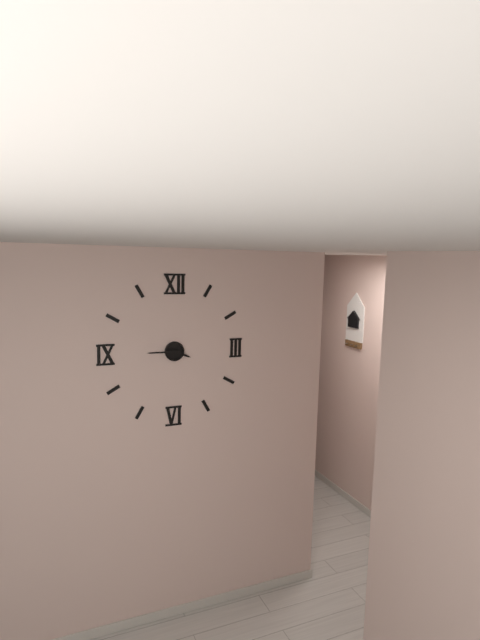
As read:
h=3 m=45
